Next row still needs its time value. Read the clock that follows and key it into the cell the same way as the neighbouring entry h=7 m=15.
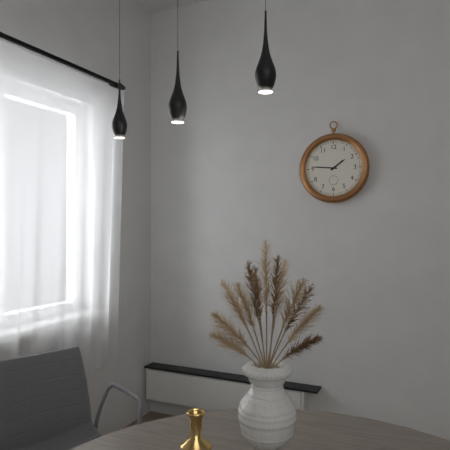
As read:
h=1 m=46
